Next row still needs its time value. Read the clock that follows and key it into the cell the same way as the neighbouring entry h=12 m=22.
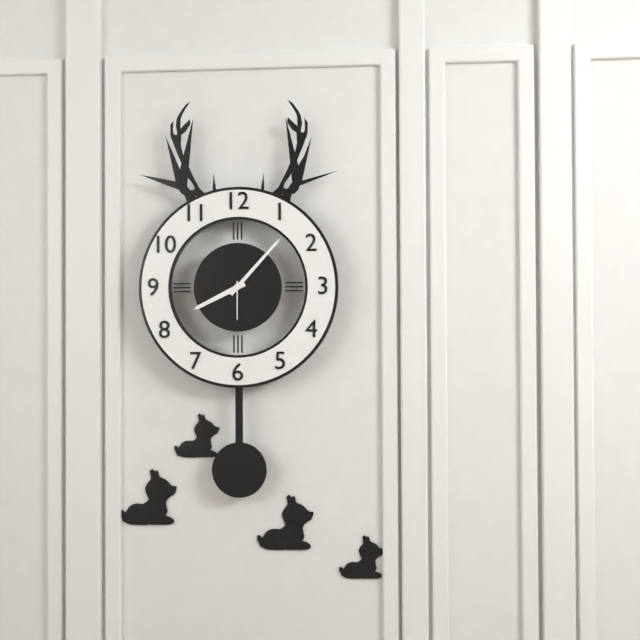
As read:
h=8 m=7
